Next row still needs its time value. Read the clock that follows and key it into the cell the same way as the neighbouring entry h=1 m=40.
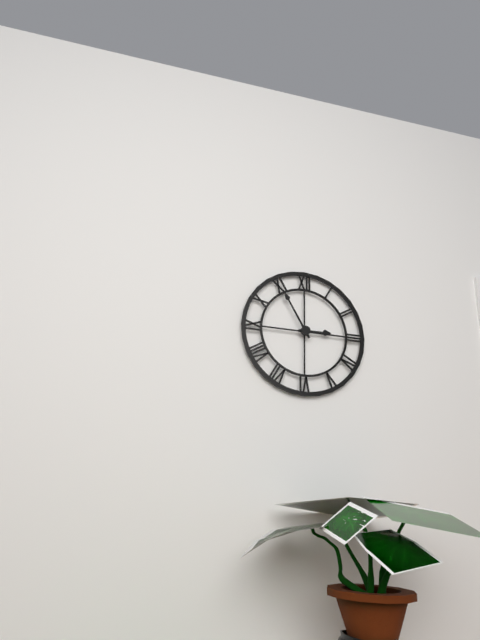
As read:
h=2 m=55
